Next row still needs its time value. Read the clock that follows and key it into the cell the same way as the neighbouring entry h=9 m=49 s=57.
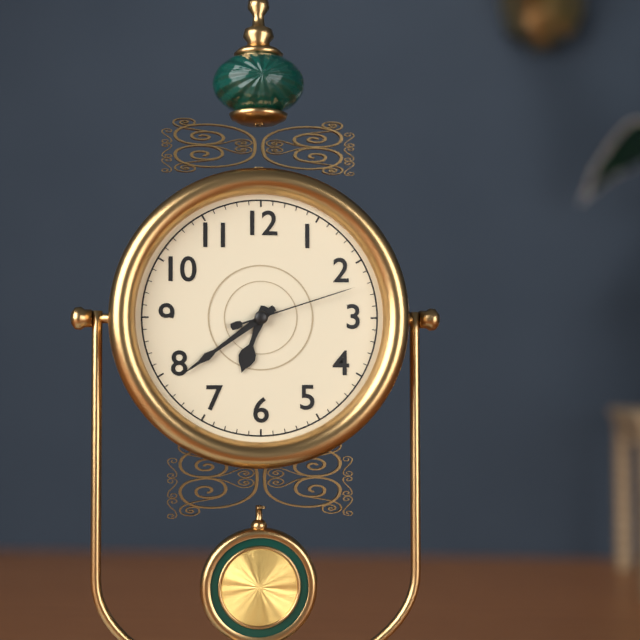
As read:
h=6 m=39 s=12
